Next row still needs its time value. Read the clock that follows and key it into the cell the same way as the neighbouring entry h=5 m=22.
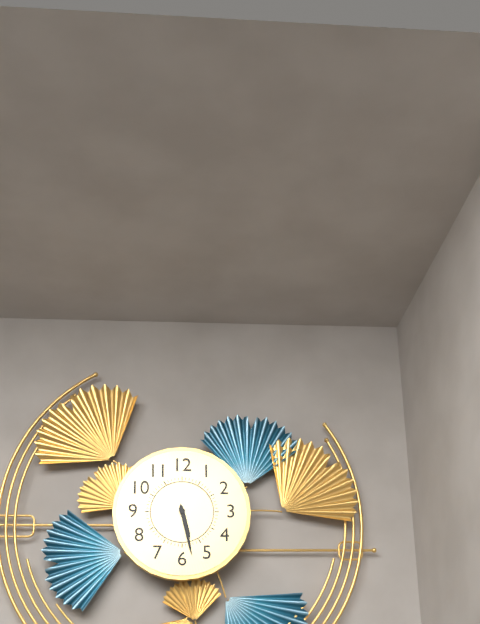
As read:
h=5 m=28
